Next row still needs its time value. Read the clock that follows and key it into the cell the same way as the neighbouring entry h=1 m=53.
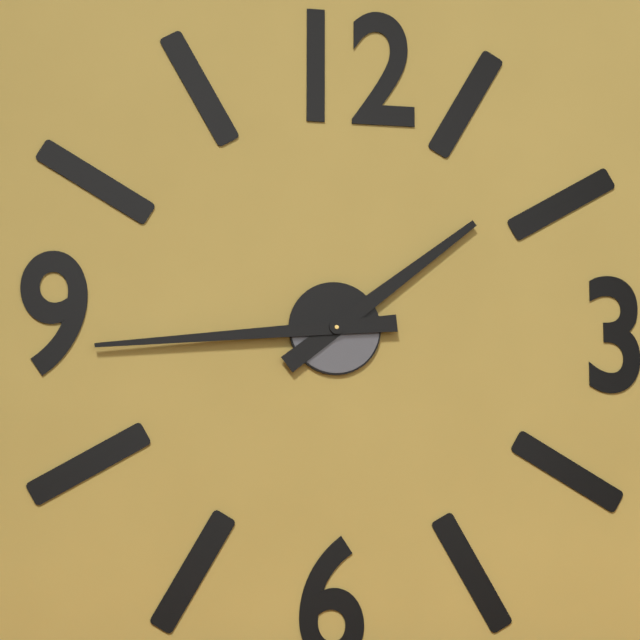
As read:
h=1 m=44
